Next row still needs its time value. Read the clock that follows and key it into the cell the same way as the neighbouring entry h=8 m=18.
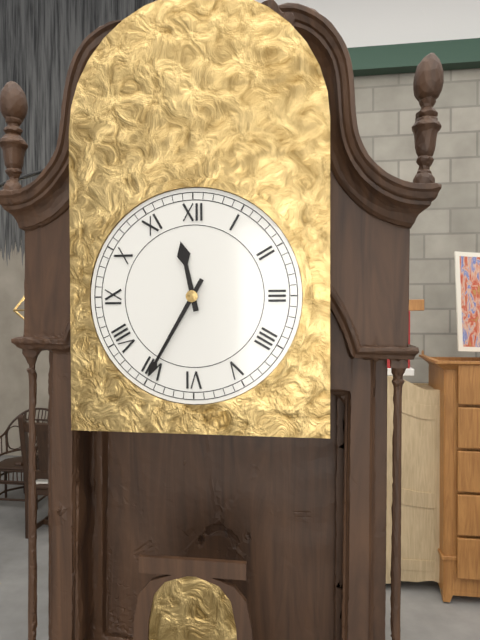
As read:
h=11 m=35
